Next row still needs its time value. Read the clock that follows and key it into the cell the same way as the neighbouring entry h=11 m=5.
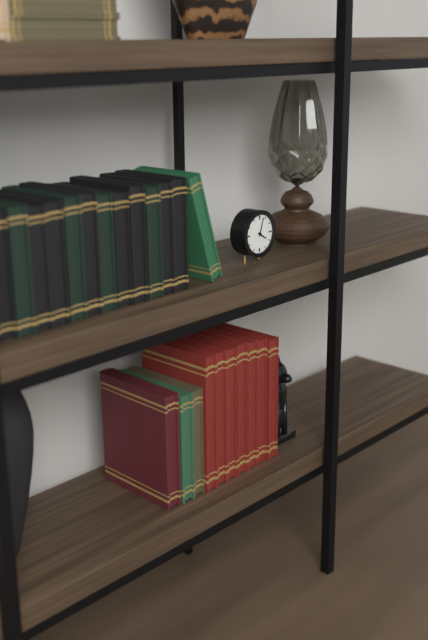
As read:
h=4 m=3
